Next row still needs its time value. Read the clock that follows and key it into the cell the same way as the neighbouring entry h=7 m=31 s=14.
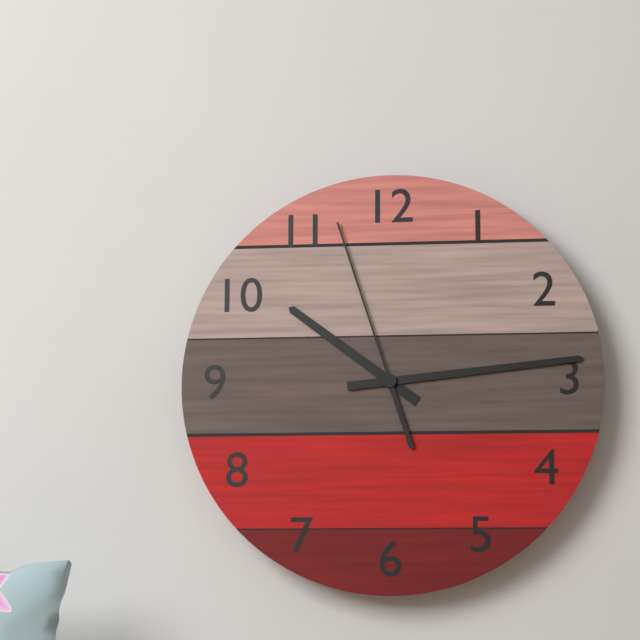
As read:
h=10 m=14 s=57
